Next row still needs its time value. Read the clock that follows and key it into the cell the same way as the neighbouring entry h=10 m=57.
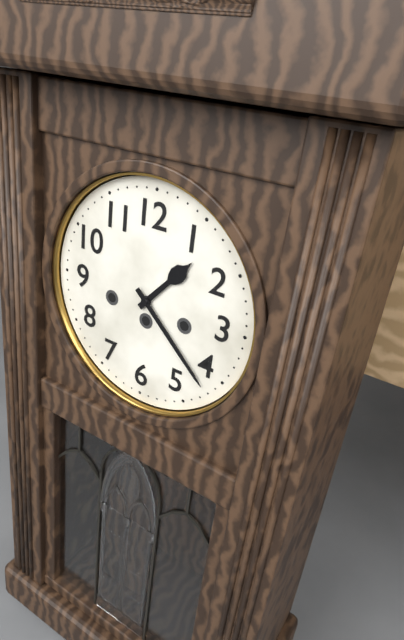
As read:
h=1 m=22
